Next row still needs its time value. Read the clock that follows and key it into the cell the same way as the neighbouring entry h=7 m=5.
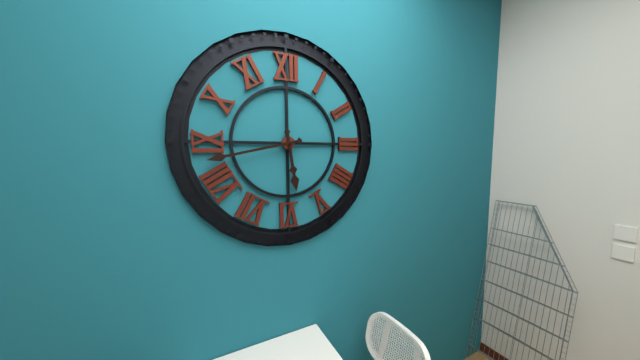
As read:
h=5 m=43
